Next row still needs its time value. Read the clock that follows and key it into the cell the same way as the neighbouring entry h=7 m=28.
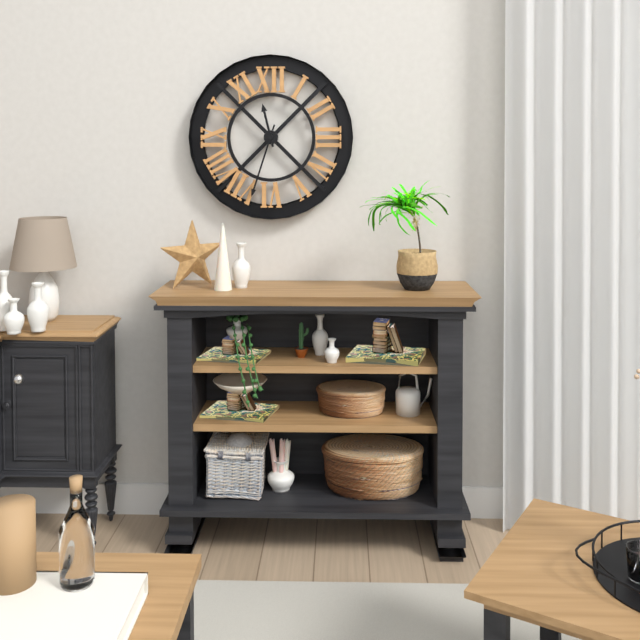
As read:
h=11 m=33
